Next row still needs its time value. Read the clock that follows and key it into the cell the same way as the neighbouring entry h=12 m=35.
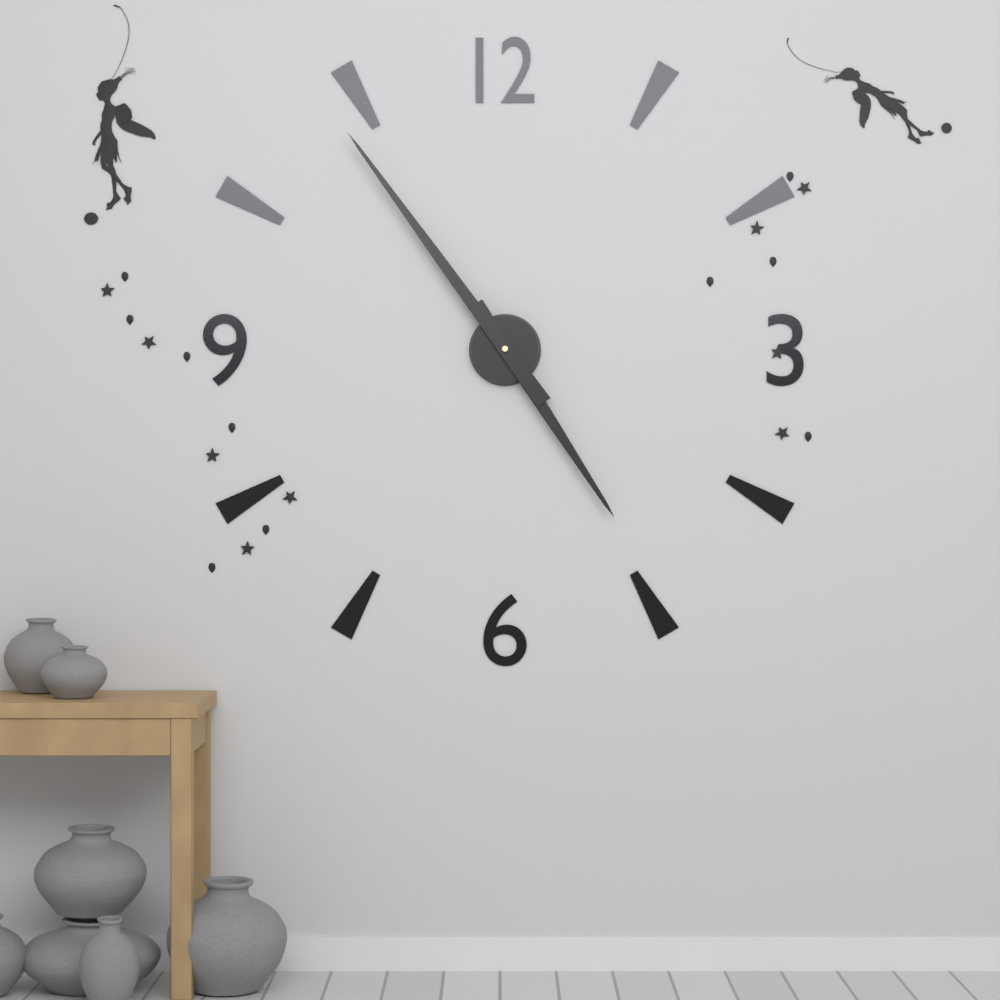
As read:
h=4 m=54
